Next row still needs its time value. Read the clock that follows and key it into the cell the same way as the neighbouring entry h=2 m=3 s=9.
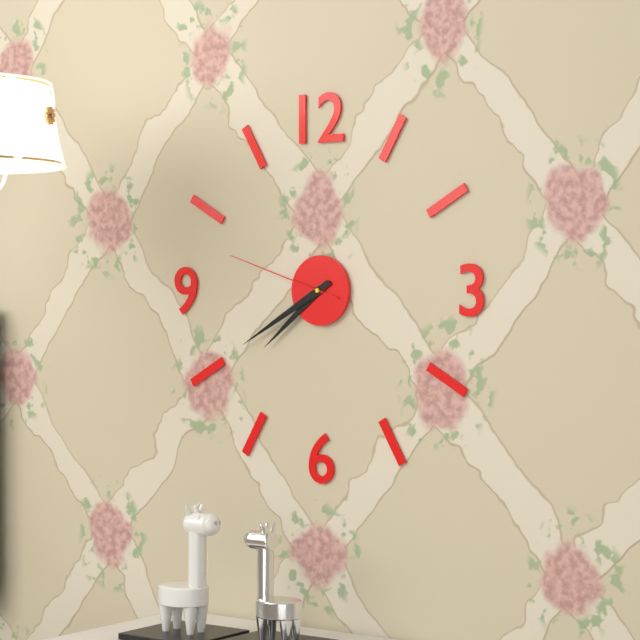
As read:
h=7 m=40 s=48
